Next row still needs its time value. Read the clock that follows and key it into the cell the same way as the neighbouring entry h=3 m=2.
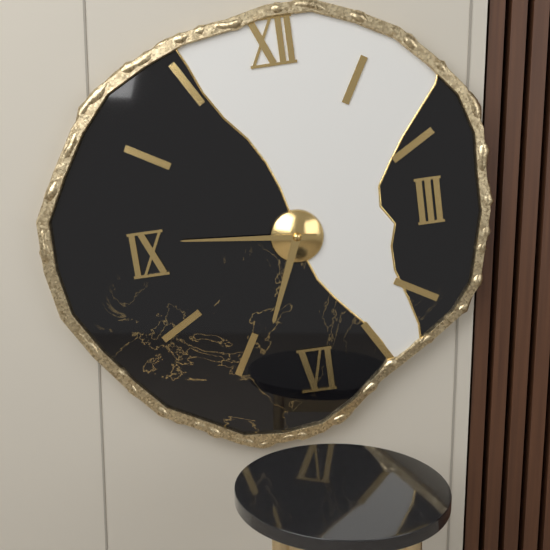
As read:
h=6 m=46
